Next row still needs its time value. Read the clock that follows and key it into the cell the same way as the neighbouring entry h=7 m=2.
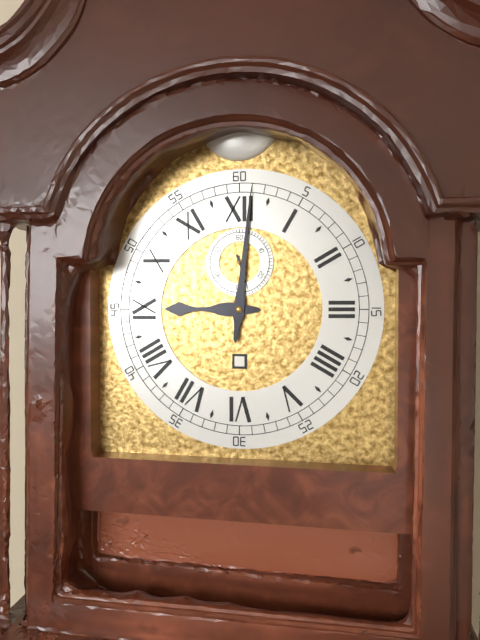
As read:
h=9 m=1
